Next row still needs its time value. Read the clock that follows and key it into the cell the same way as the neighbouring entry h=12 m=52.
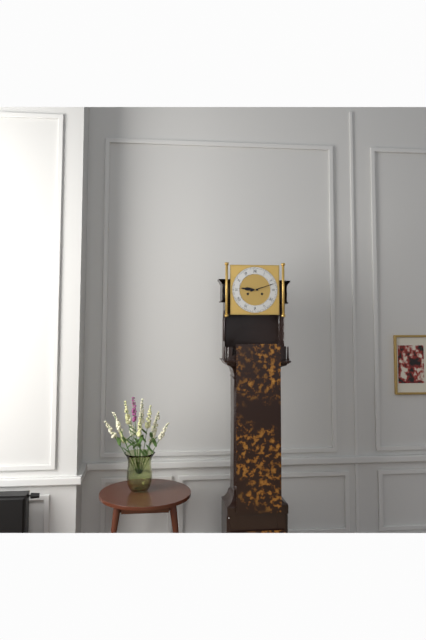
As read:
h=9 m=12
